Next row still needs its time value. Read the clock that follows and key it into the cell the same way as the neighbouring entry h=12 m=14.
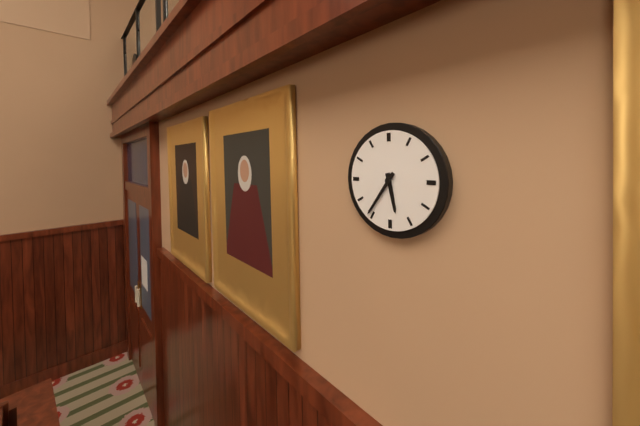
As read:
h=5 m=36
